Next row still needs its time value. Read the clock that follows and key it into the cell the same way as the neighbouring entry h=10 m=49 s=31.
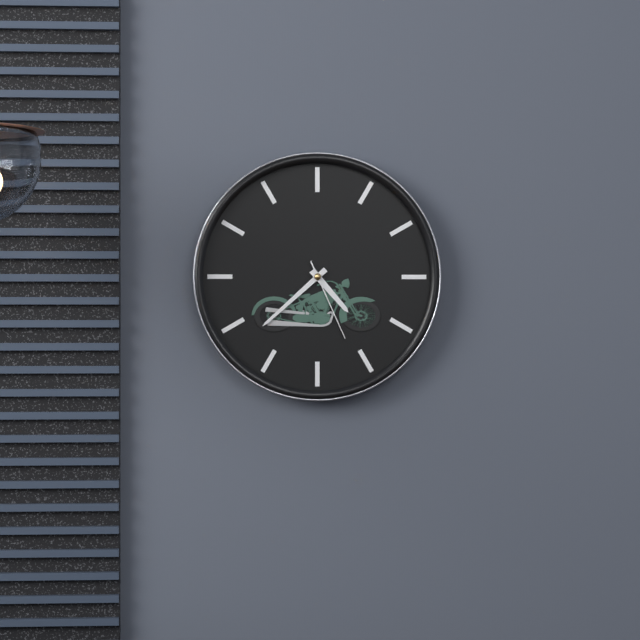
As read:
h=4 m=38 s=26
